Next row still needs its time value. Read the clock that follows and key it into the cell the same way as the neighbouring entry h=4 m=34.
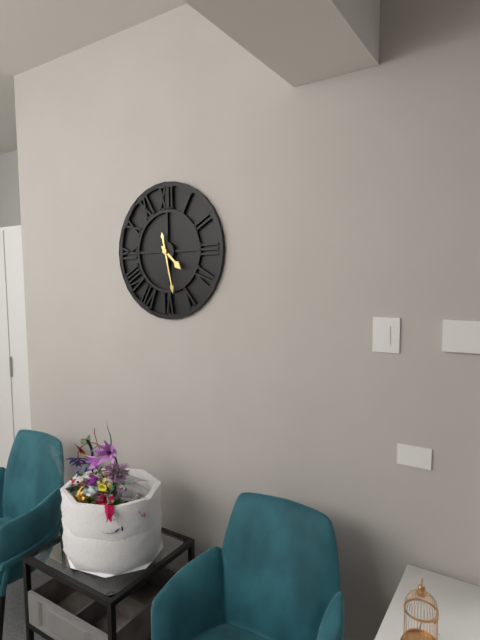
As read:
h=4 m=28
